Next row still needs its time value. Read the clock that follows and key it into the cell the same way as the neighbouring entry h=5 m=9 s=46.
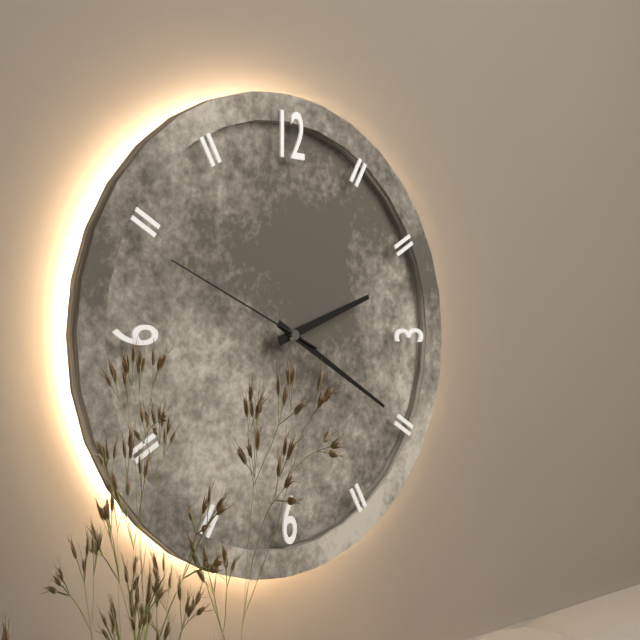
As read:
h=2 m=20 s=49
